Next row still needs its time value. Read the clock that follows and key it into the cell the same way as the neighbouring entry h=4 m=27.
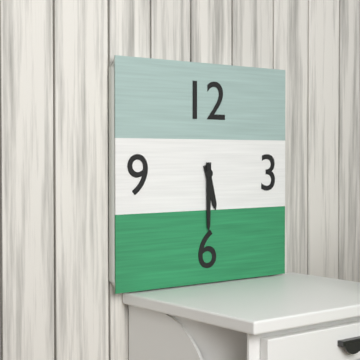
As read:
h=5 m=30
